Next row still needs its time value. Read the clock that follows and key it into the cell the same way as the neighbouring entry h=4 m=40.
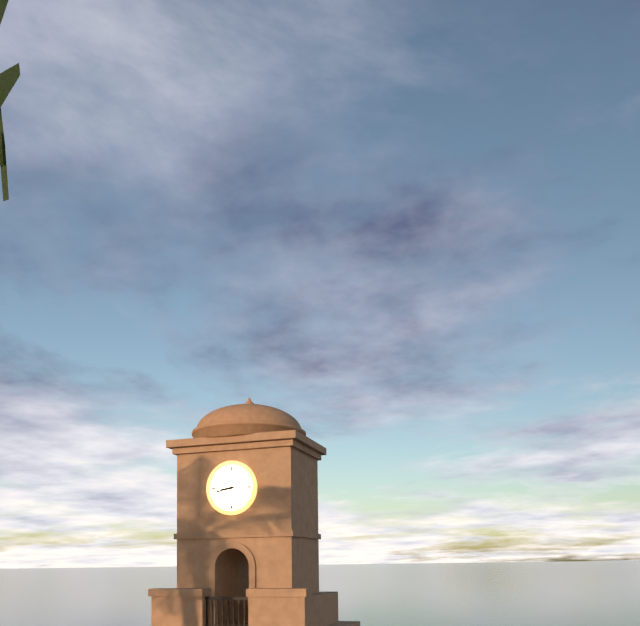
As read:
h=8 m=43
